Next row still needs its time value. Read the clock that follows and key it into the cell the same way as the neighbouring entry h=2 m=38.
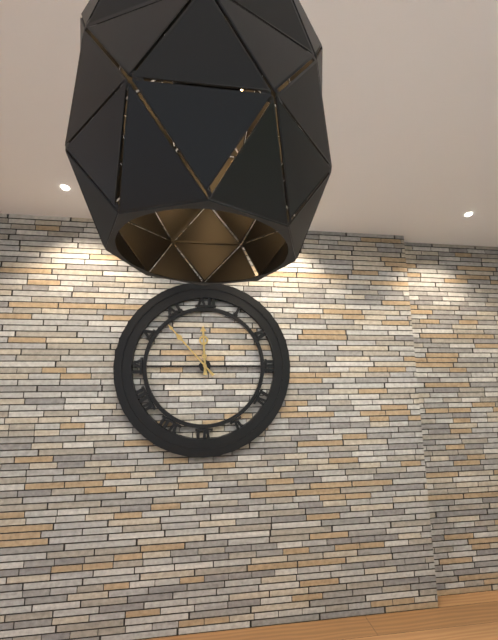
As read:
h=11 m=53
